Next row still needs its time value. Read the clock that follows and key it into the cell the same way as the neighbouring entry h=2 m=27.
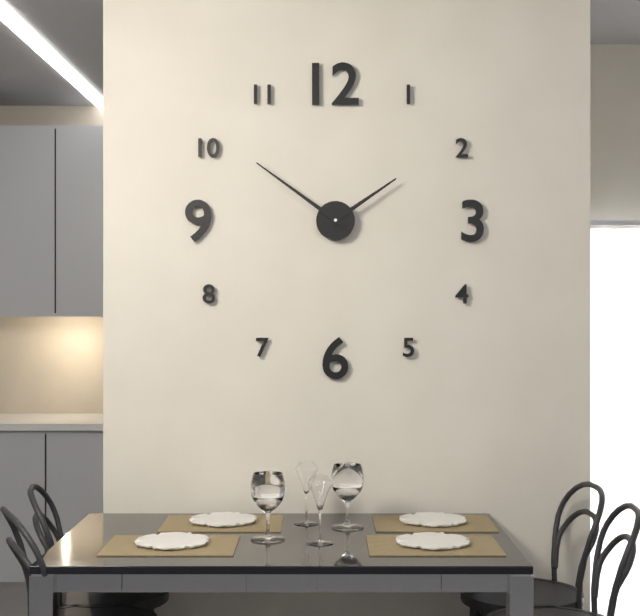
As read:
h=1 m=51
